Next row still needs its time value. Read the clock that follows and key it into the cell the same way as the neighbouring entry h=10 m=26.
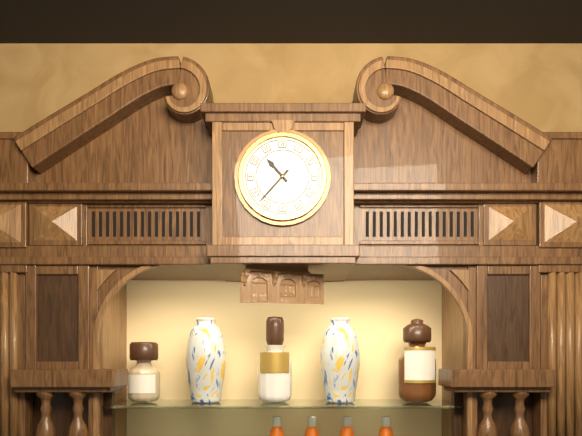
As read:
h=10 m=37
